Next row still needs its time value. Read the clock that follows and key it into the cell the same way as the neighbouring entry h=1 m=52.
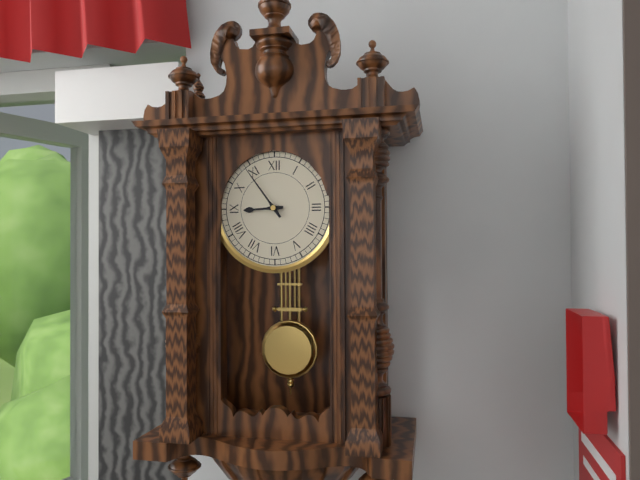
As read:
h=8 m=54
